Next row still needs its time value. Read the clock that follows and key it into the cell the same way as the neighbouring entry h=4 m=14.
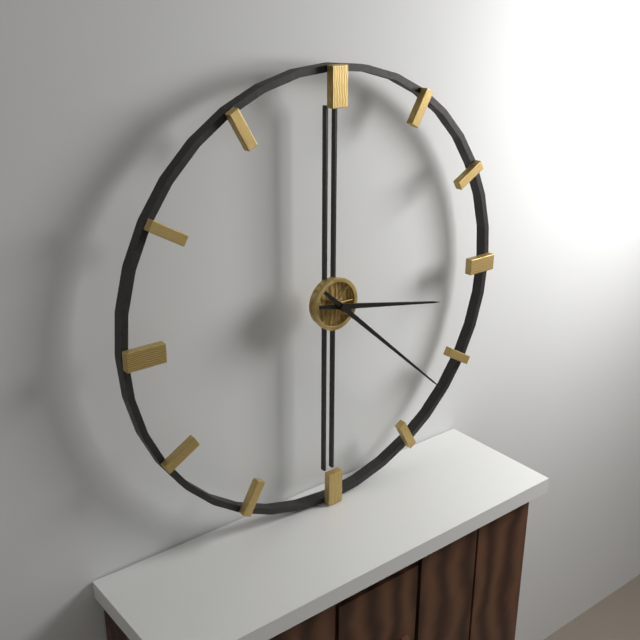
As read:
h=3 m=22
